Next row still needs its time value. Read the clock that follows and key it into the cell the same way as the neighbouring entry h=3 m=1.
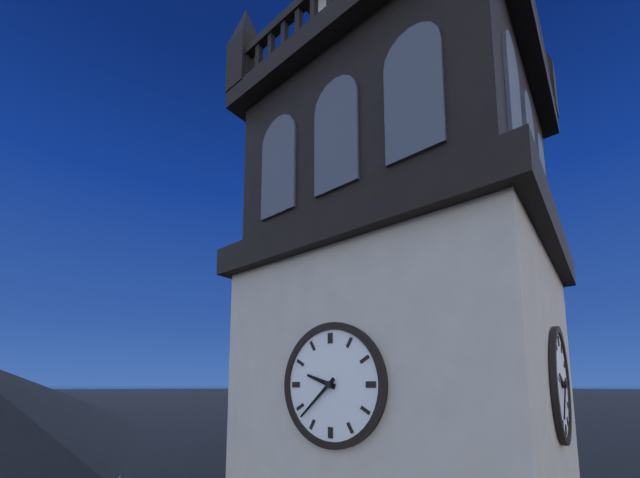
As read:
h=9 m=38
